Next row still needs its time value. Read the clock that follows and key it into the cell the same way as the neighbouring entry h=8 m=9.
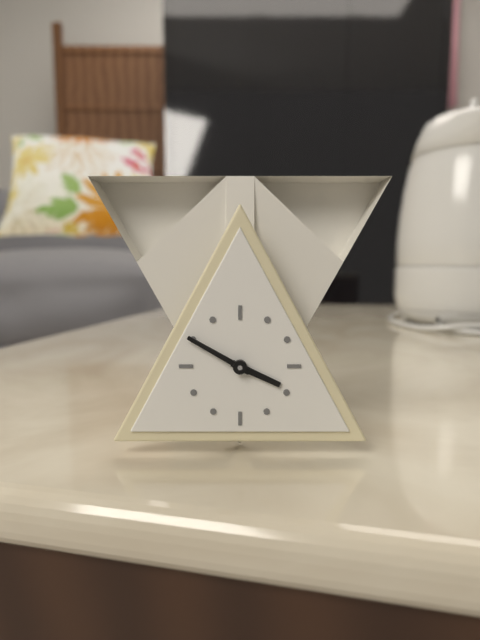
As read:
h=3 m=50
